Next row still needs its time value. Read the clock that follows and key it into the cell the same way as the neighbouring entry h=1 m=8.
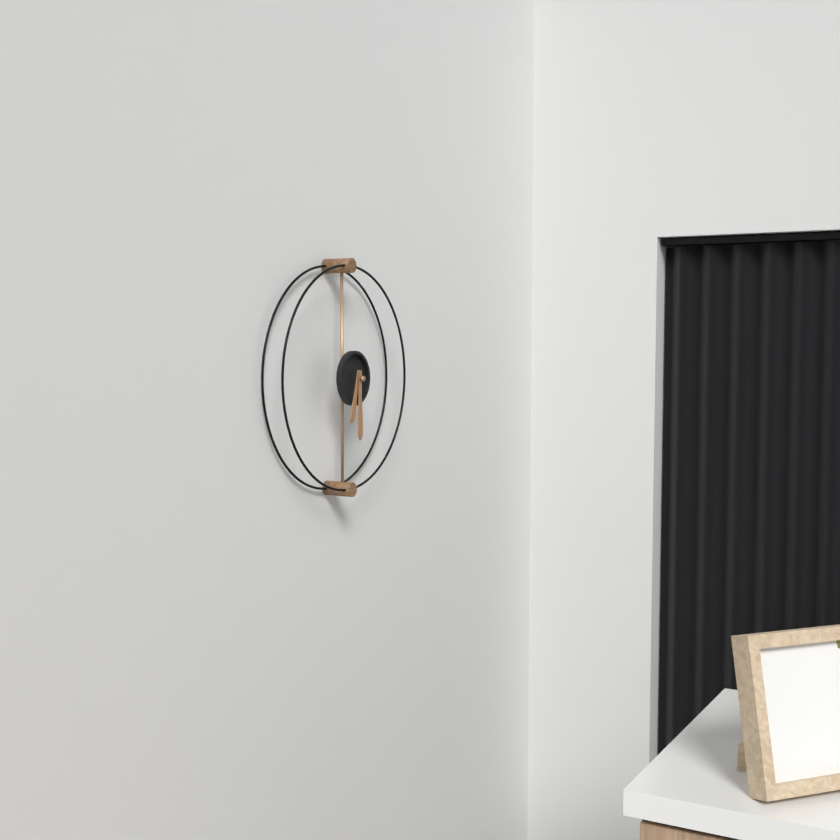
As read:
h=6 m=30
